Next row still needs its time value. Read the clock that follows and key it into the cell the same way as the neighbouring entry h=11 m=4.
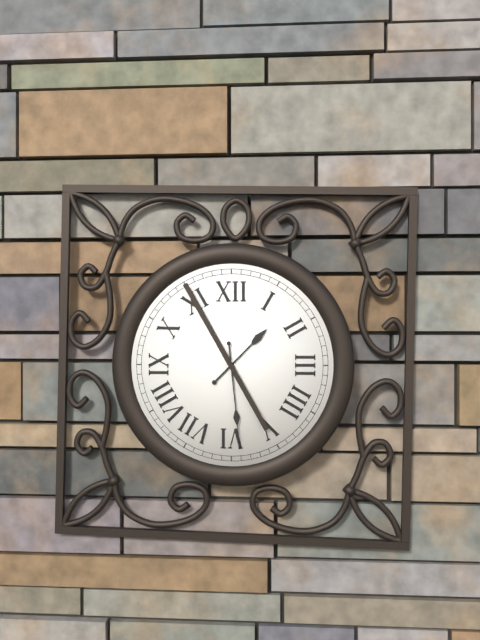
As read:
h=1 m=29
